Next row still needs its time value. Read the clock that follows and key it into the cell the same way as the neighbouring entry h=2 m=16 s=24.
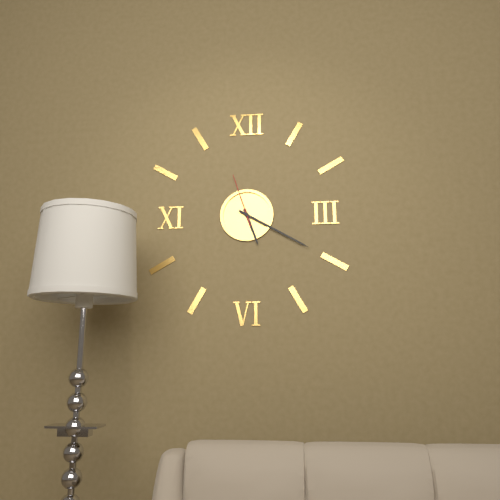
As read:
h=5 m=20 s=57
